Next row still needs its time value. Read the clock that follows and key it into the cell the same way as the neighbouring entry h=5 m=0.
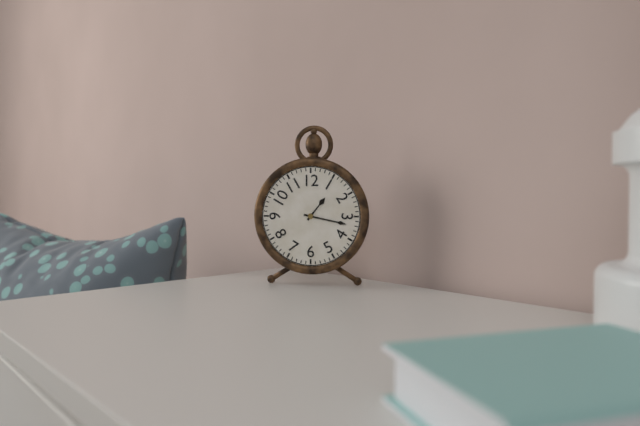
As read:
h=1 m=17
